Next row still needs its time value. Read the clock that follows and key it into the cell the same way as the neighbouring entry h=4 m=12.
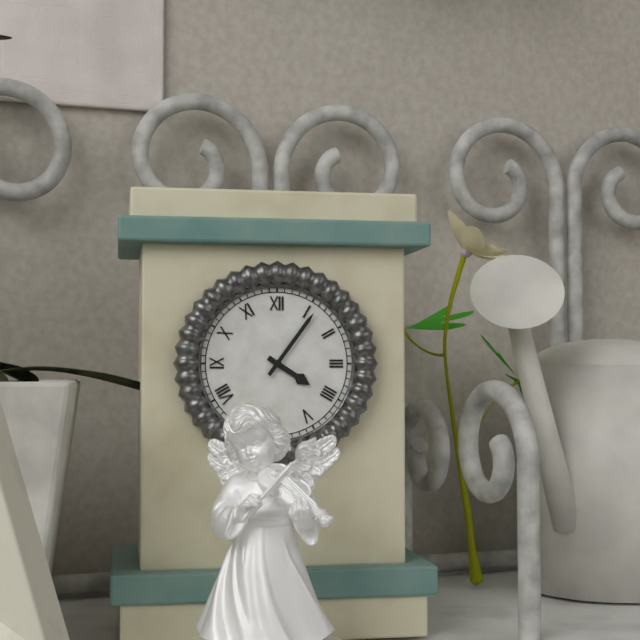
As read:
h=4 m=6
